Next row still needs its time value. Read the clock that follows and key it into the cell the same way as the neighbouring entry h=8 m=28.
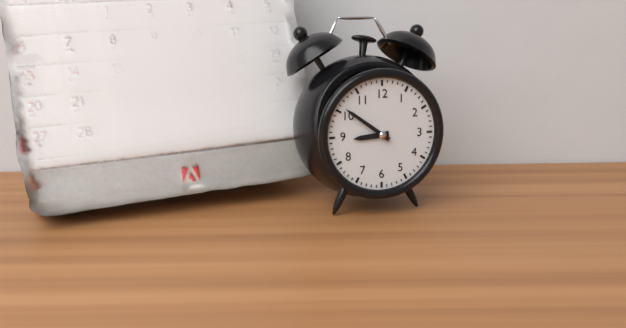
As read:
h=8 m=51
